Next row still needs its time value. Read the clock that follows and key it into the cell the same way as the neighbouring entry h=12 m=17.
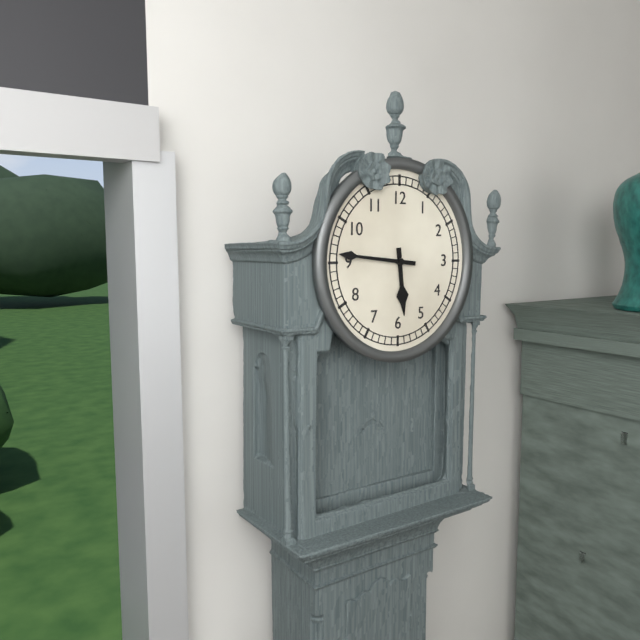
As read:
h=5 m=46
